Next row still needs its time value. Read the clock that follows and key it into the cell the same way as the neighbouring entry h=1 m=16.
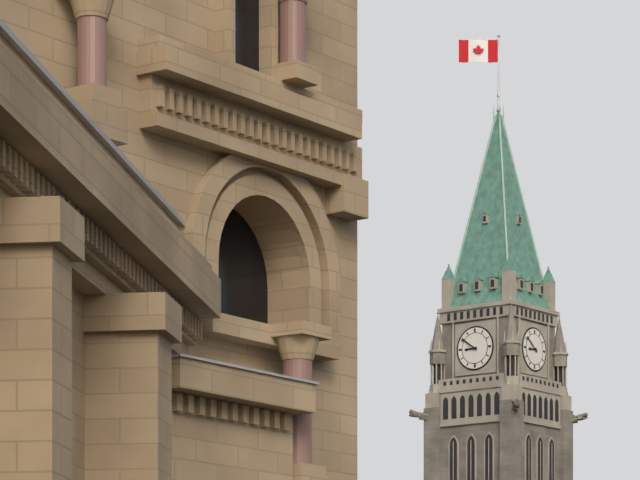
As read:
h=8 m=51
